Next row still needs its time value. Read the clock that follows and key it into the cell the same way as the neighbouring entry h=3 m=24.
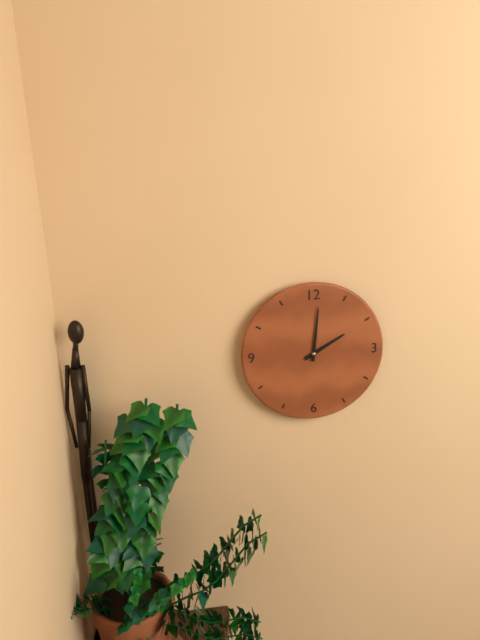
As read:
h=2 m=1
